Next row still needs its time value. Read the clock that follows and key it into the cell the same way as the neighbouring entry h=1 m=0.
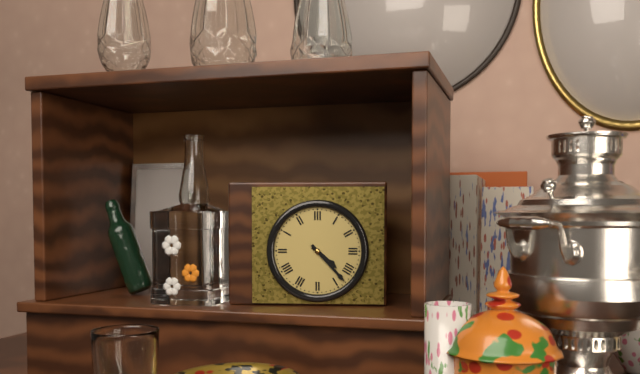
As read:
h=4 m=23
